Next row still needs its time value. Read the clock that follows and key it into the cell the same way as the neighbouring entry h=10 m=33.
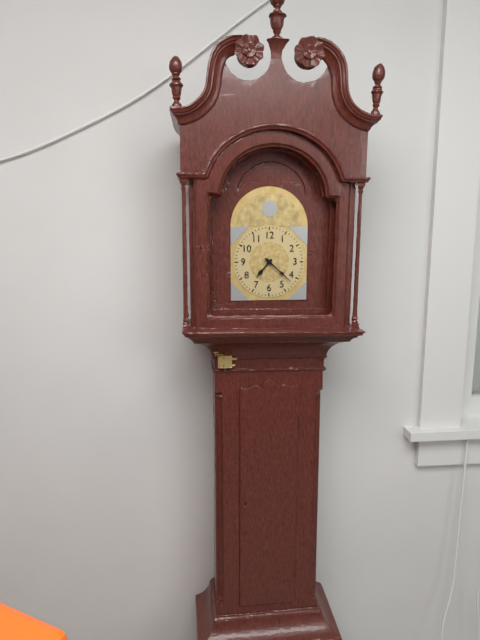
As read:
h=7 m=22
